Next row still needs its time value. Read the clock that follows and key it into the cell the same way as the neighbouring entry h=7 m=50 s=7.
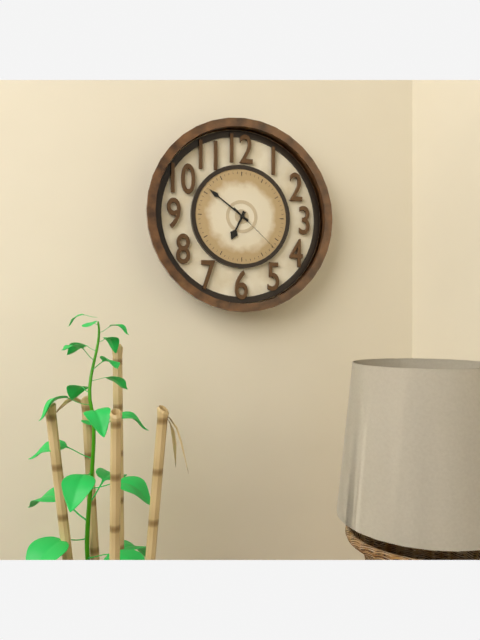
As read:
h=6 m=51 s=22
